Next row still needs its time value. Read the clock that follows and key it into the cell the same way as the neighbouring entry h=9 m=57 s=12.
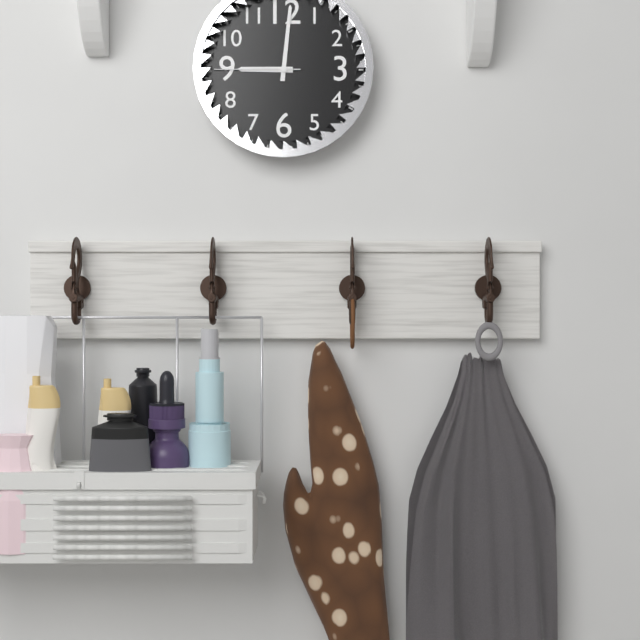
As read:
h=9 m=1 s=45
